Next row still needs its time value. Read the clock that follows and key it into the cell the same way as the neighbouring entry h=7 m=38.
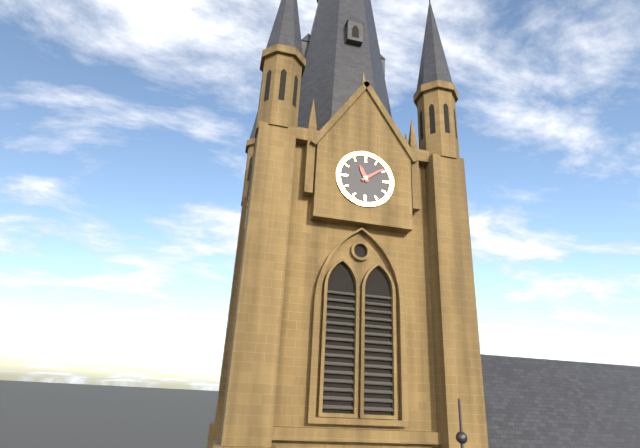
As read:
h=11 m=9
